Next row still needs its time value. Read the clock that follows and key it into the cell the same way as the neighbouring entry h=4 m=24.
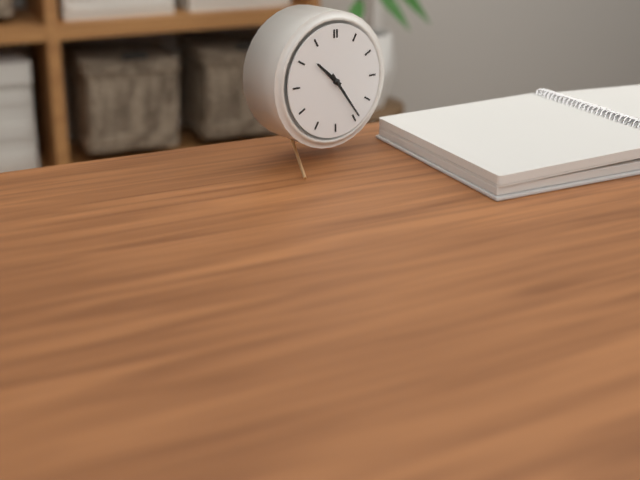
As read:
h=10 m=24
